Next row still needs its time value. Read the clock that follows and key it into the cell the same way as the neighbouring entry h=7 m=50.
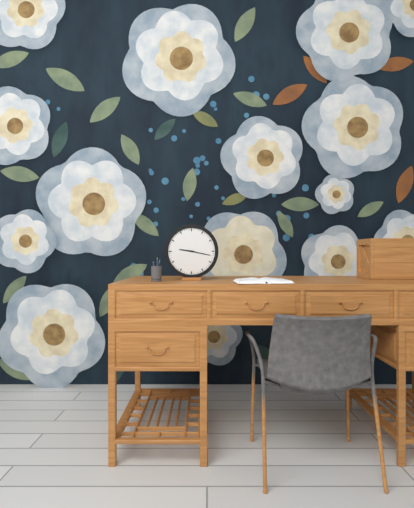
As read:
h=9 m=17
